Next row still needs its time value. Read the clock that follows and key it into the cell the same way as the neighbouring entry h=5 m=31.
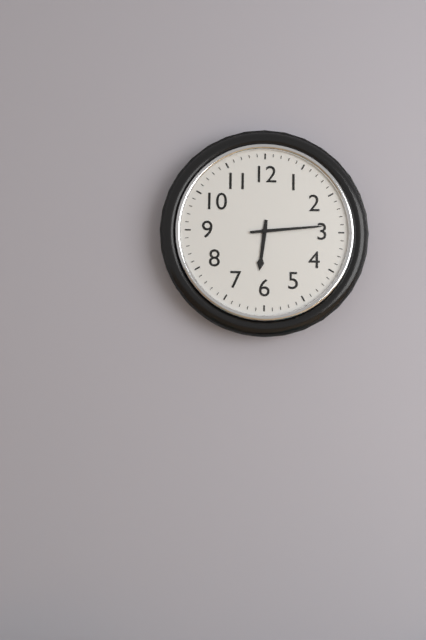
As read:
h=6 m=14
